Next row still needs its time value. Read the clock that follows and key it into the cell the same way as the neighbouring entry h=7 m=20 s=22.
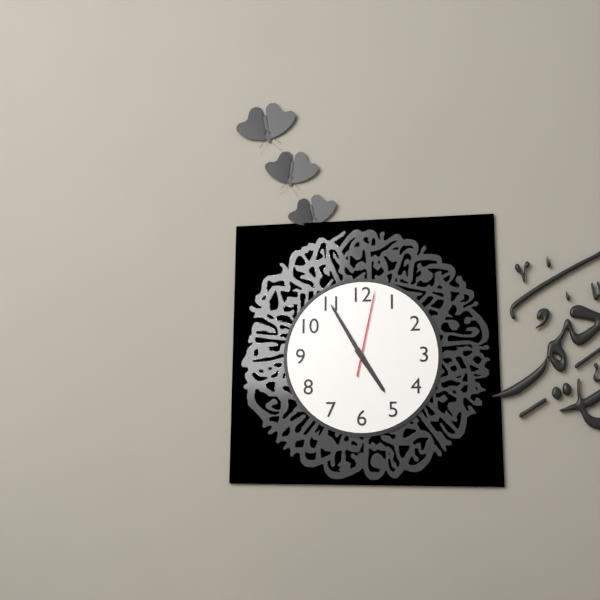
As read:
h=4 m=55 s=2
